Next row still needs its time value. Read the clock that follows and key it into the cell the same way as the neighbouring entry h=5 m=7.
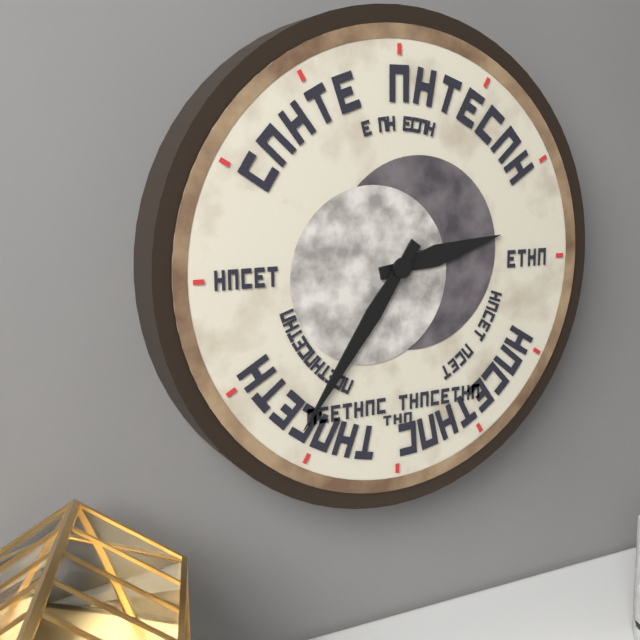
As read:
h=2 m=36
